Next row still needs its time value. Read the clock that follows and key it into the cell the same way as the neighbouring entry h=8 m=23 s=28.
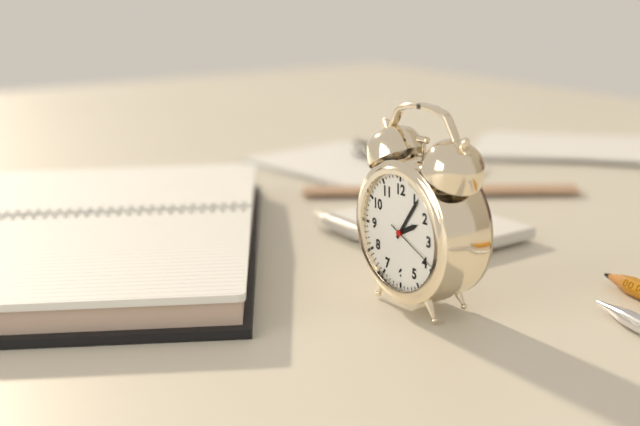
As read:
h=2 m=6 s=19
